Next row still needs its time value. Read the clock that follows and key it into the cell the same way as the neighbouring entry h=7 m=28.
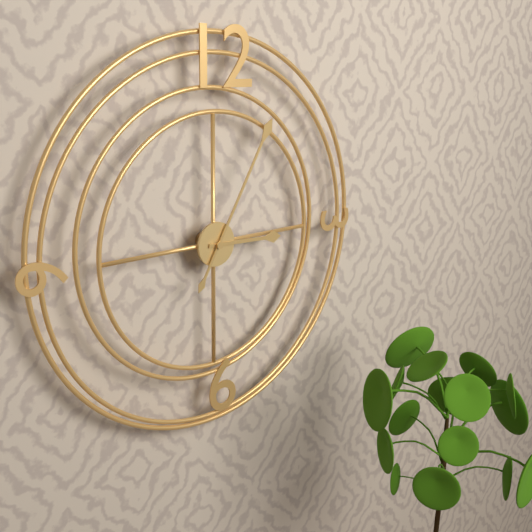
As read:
h=3 m=5
